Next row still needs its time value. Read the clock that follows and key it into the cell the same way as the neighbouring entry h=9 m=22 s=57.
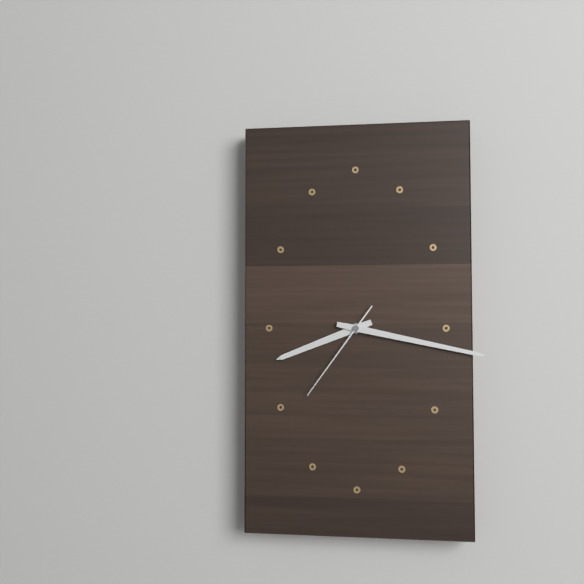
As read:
h=8 m=17 s=36
